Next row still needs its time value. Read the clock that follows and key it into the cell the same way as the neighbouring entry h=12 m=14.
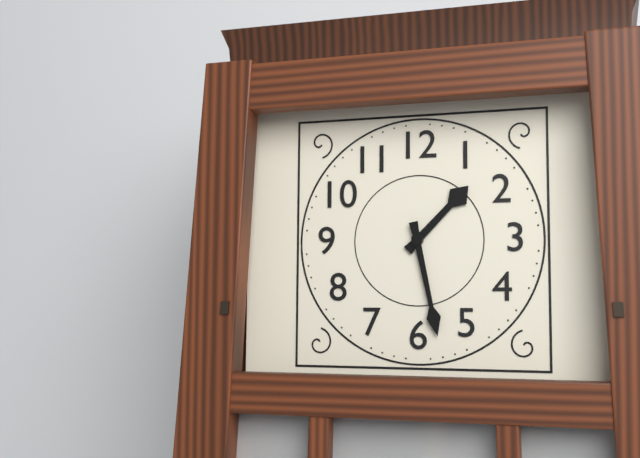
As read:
h=1 m=28
